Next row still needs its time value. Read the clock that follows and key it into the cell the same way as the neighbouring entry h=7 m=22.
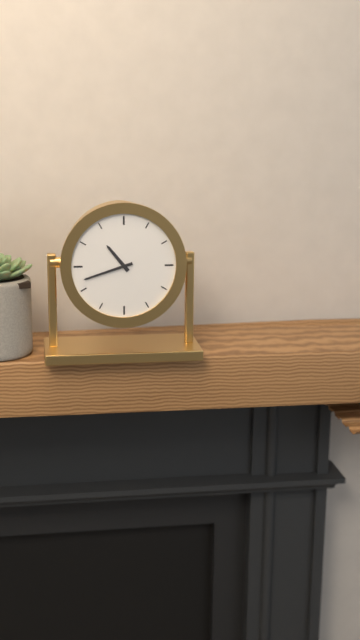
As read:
h=10 m=42
